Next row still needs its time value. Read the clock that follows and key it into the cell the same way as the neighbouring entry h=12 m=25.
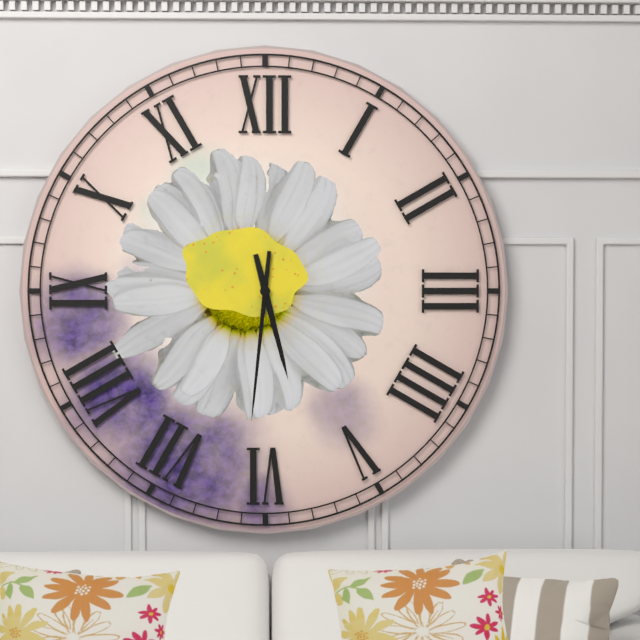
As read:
h=5 m=31
